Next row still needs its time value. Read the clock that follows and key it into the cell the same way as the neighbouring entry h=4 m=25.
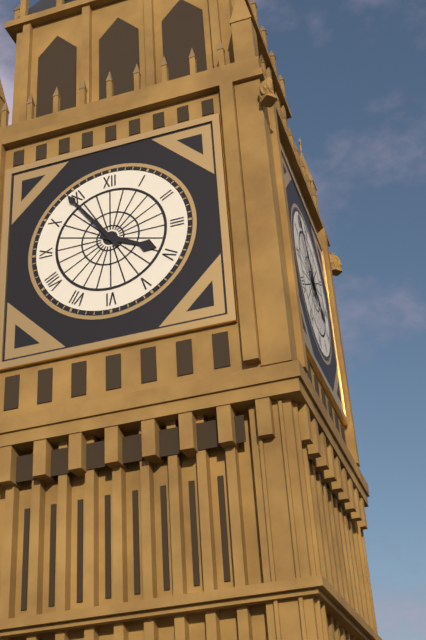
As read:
h=3 m=54
